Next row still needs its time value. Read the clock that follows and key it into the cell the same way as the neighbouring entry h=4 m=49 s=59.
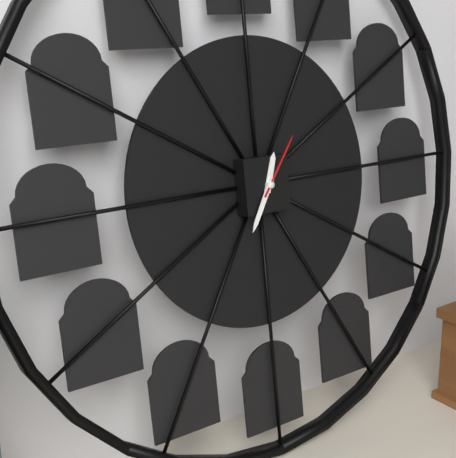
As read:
h=12 m=35 s=6
